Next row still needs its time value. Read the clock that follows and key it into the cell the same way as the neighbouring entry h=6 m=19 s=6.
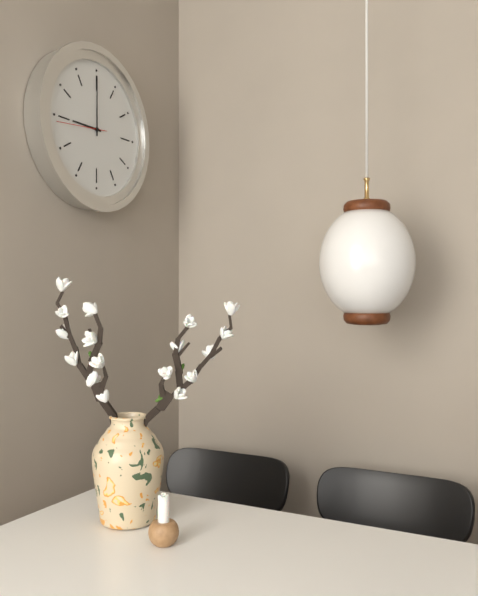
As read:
h=9 m=0 s=44
